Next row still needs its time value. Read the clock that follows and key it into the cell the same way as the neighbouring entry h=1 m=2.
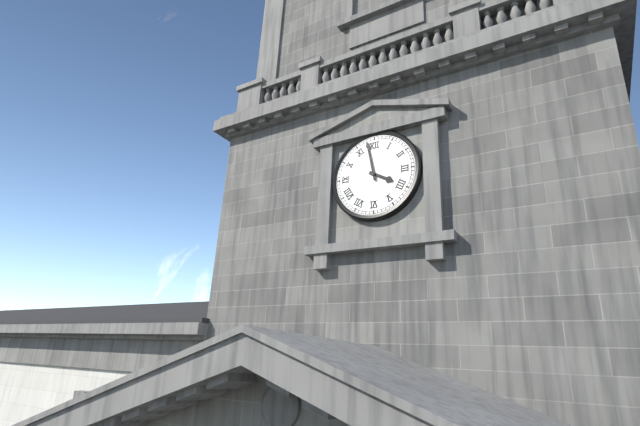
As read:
h=3 m=58
